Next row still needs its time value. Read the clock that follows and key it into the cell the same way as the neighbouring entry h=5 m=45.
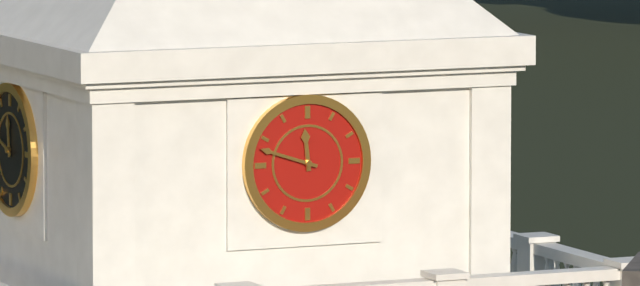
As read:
h=11 m=48
